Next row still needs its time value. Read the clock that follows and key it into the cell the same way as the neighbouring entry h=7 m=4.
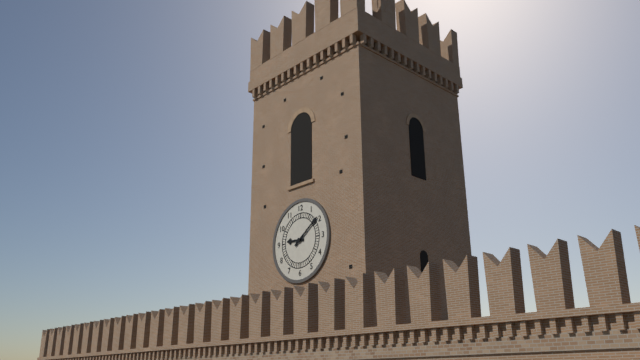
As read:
h=9 m=9
